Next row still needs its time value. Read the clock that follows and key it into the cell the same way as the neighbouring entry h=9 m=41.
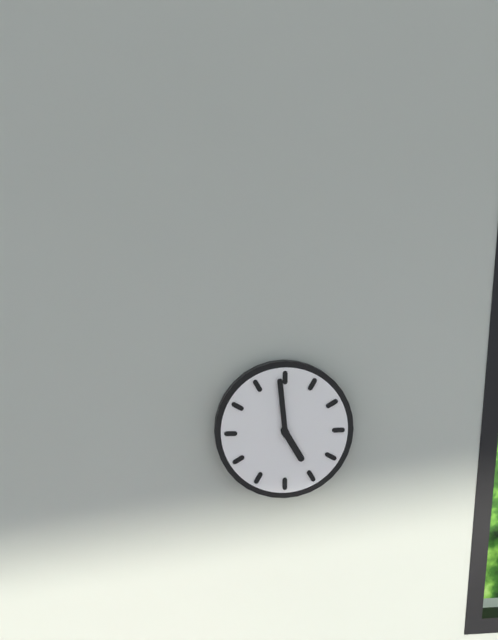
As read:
h=4 m=59
